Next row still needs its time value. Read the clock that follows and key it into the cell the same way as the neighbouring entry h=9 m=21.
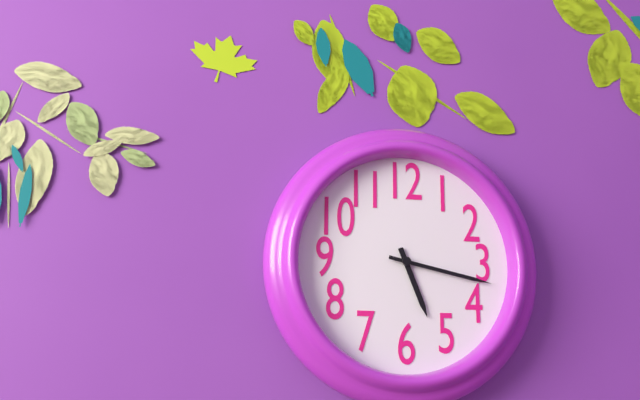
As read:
h=5 m=17
